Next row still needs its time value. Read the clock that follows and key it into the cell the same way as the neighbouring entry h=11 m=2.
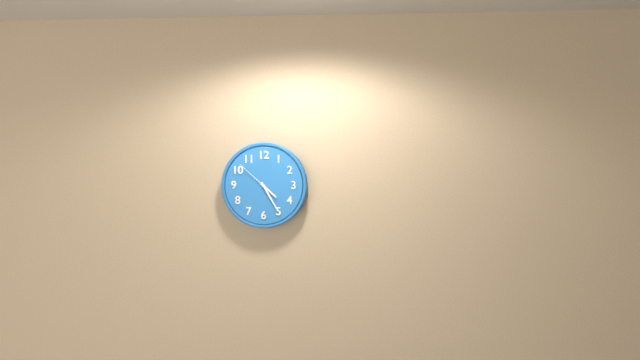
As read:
h=4 m=25
